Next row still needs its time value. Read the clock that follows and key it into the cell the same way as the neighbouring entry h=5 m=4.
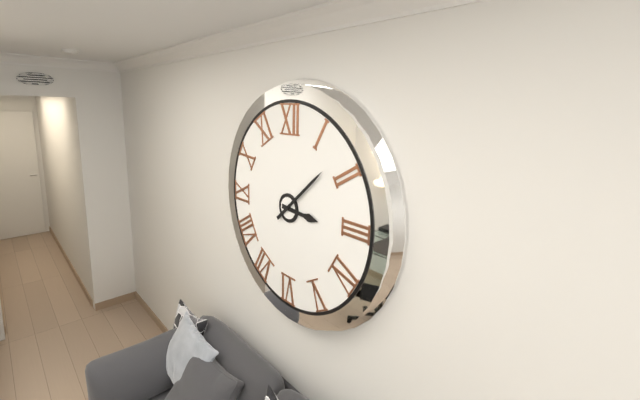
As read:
h=3 m=8
